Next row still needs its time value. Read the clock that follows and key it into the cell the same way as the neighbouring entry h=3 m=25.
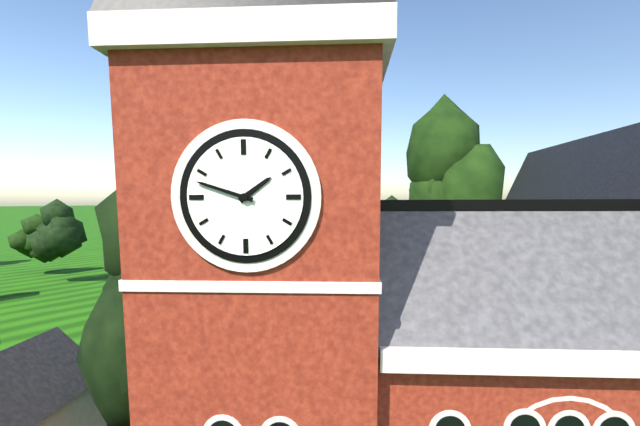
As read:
h=1 m=48
